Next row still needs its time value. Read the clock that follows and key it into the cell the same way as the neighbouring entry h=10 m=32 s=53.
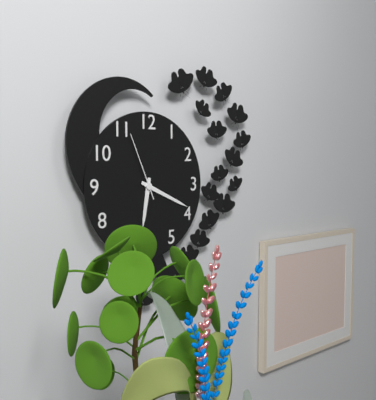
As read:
h=6 m=19 s=56
